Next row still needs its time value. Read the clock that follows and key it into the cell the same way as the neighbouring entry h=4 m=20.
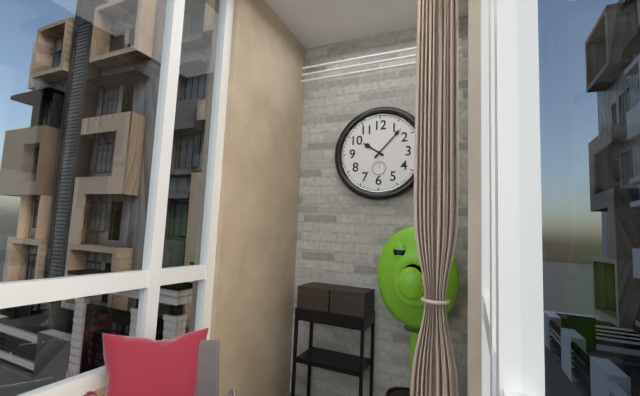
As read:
h=10 m=7
